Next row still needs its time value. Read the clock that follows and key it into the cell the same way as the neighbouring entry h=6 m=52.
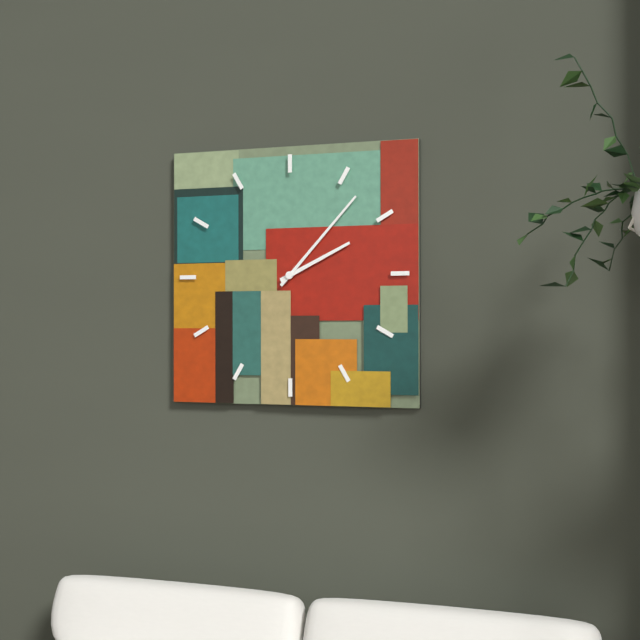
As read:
h=2 m=7
